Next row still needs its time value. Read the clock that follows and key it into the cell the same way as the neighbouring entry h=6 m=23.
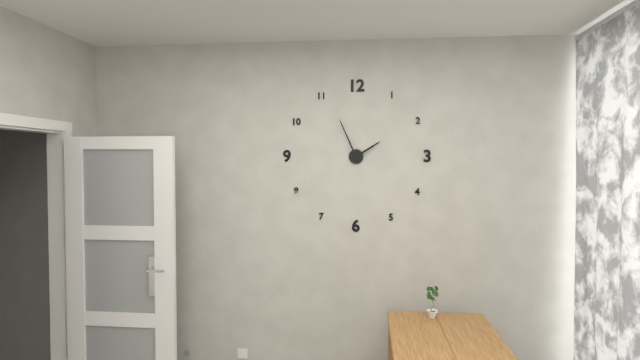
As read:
h=1 m=56
